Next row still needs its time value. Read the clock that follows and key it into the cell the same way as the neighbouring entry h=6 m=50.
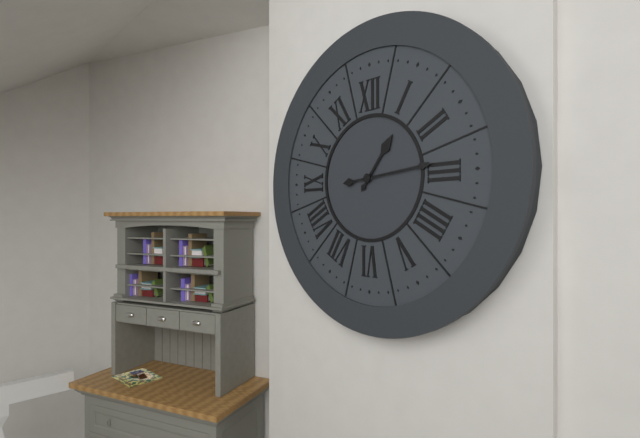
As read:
h=1 m=14
